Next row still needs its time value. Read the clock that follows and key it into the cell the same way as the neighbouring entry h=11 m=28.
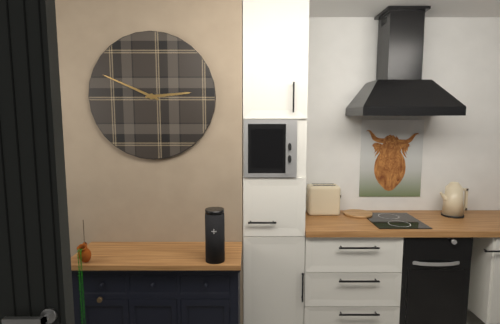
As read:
h=2 m=49
